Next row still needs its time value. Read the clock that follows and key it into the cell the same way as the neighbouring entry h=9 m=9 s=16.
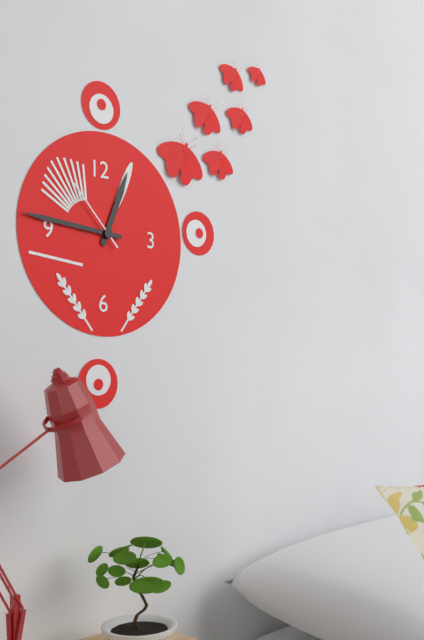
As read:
h=12 m=46 s=53
